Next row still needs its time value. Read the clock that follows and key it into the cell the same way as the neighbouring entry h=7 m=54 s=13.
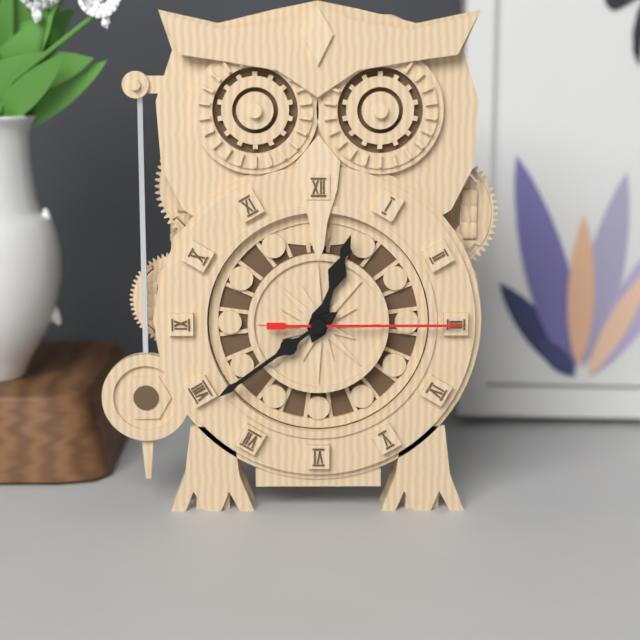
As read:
h=12 m=39 s=15
